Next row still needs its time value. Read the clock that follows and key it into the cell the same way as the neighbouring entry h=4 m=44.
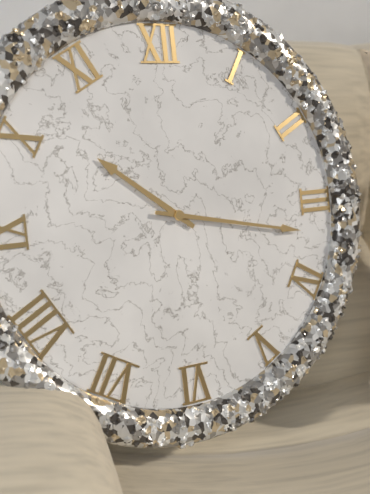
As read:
h=10 m=17
